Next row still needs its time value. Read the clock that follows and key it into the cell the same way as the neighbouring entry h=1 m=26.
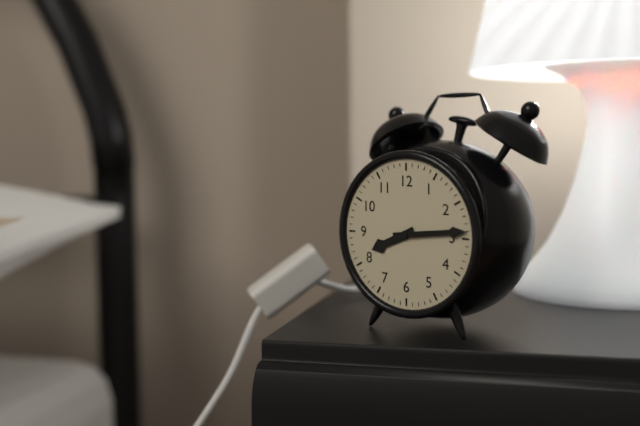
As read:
h=8 m=14
